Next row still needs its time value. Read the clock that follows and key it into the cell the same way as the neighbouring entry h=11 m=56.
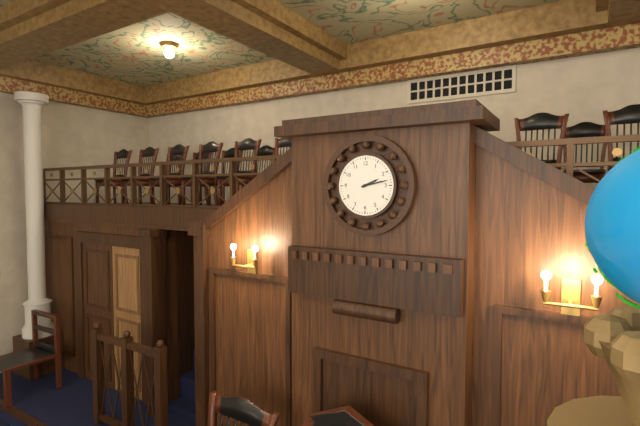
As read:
h=2 m=13
